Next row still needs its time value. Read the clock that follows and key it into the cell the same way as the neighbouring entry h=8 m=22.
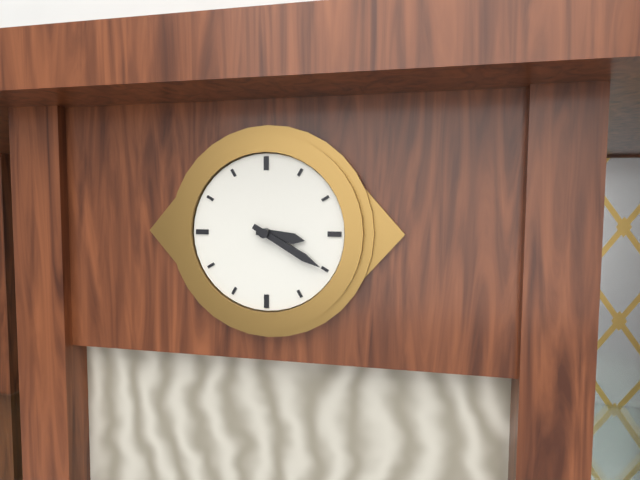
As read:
h=3 m=20
